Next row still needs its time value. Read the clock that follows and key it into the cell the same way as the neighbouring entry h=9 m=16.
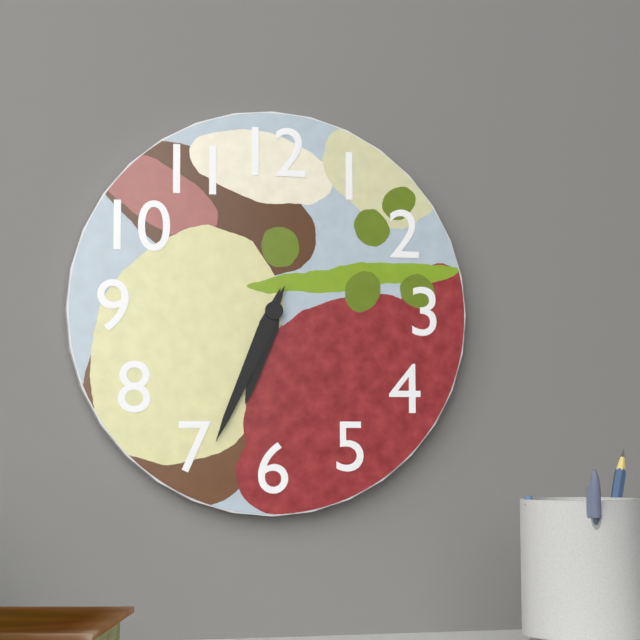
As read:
h=6 m=34
